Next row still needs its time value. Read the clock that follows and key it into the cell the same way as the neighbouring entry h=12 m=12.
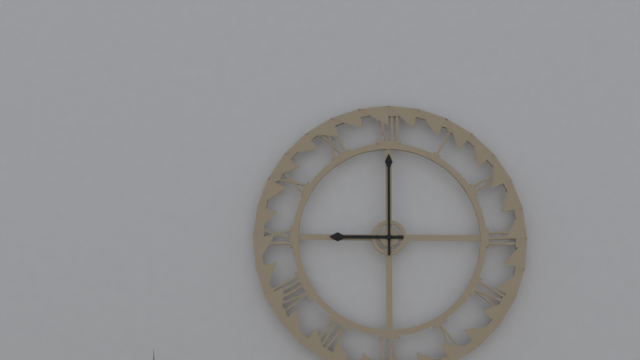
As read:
h=9 m=0
